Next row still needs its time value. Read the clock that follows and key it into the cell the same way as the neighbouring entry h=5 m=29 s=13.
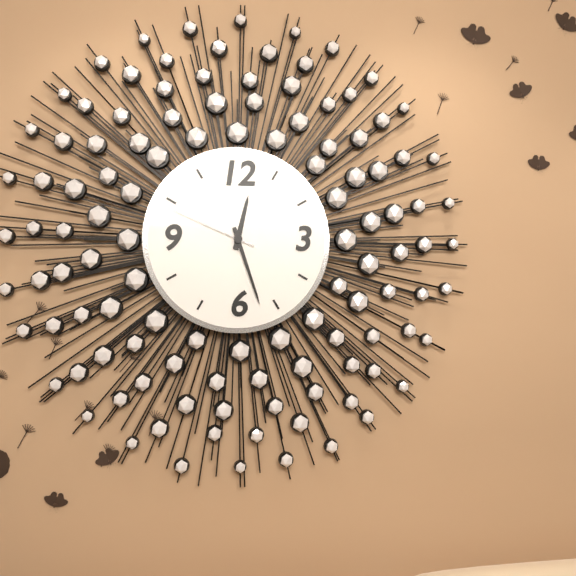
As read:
h=12 m=27 s=49
